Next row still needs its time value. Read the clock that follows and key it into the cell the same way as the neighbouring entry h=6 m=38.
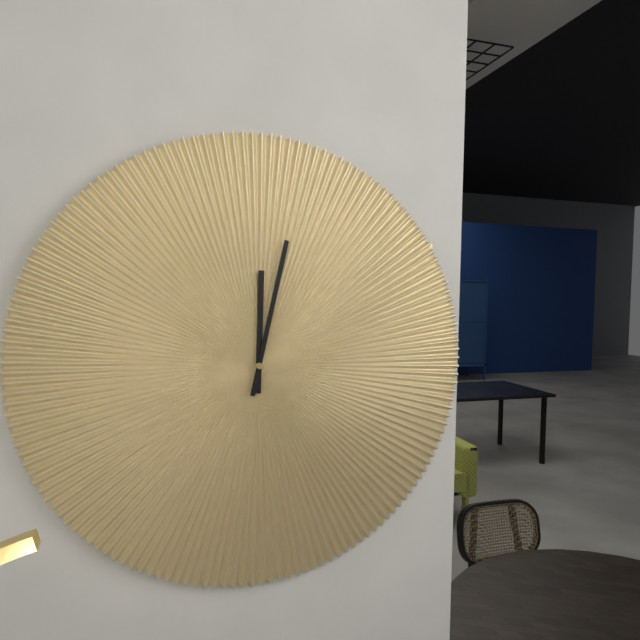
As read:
h=12 m=2
